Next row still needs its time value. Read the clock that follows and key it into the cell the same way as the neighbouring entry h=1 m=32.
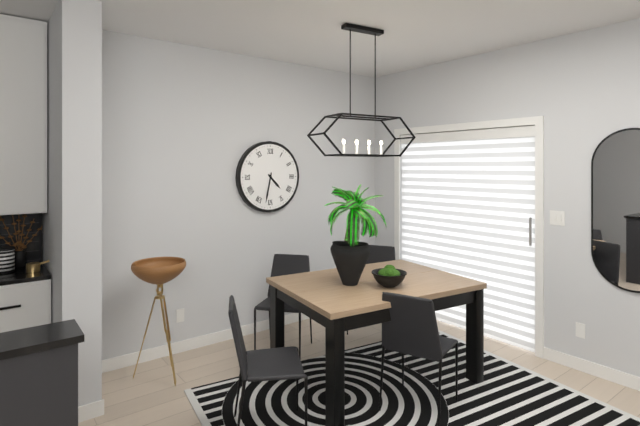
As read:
h=4 m=32
